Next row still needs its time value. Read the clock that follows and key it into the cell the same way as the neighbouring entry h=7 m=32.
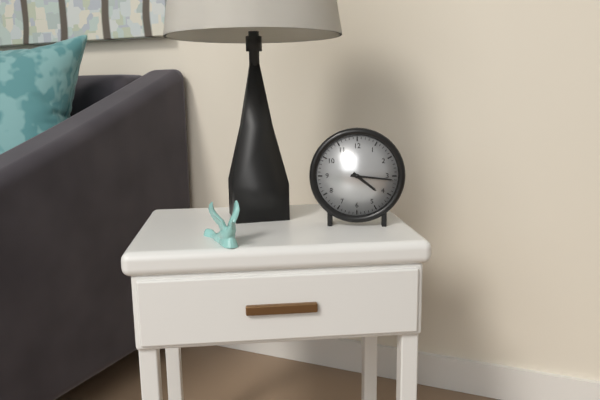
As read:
h=4 m=16
